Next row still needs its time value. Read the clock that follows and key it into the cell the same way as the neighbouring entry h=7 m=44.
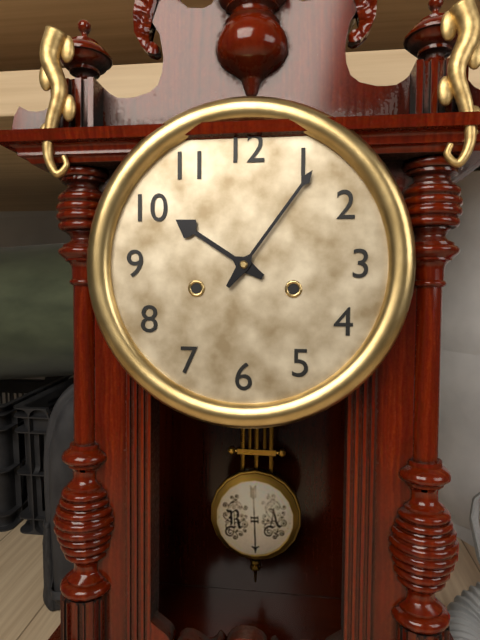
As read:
h=10 m=6
